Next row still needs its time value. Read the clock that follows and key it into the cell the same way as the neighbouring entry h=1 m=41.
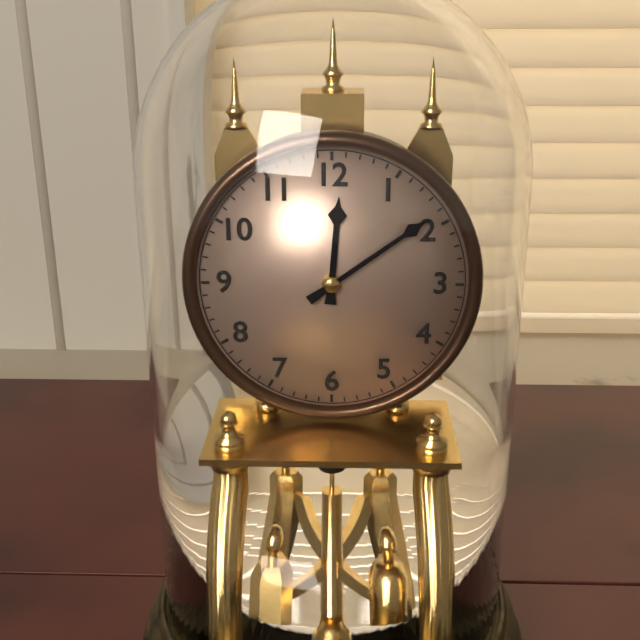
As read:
h=12 m=9
